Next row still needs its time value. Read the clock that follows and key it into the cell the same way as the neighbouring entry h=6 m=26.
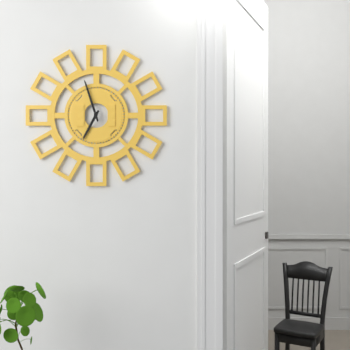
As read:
h=6 m=57
